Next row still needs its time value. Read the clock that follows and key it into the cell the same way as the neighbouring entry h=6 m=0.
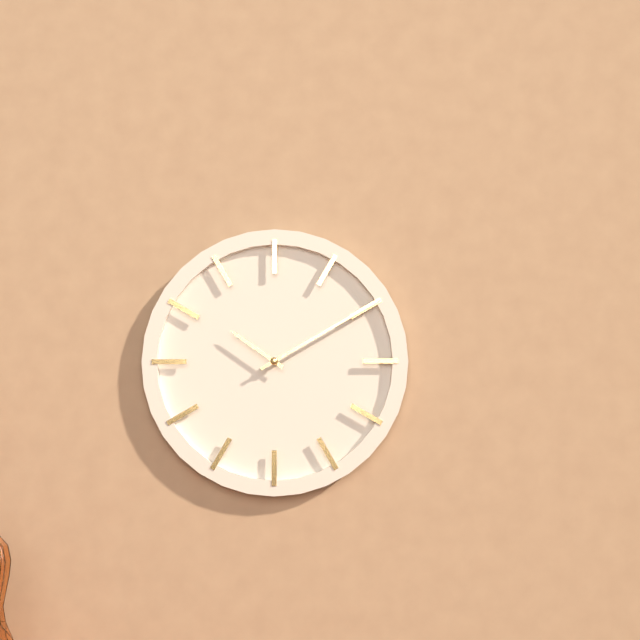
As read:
h=10 m=10
